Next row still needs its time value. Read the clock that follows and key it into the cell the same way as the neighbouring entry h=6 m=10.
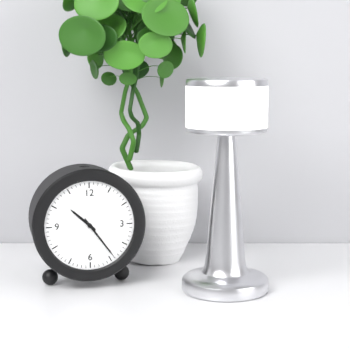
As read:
h=10 m=24
